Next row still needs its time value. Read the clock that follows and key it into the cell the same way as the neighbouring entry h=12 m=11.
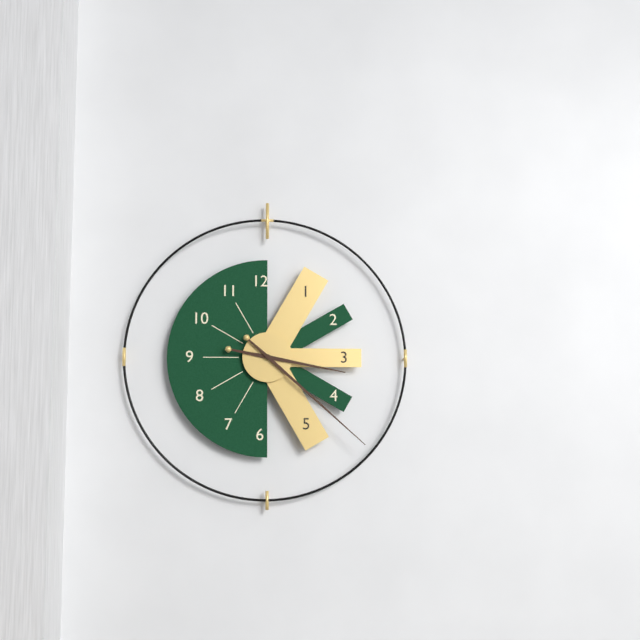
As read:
h=3 m=22
